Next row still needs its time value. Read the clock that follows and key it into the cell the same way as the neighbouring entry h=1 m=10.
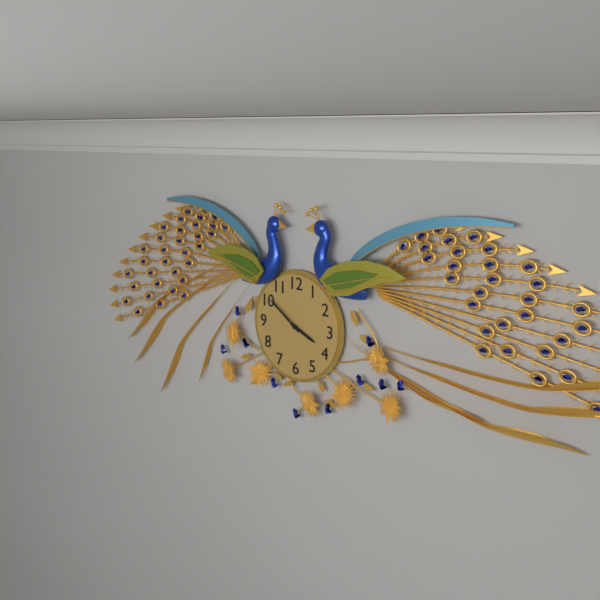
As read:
h=3 m=51
